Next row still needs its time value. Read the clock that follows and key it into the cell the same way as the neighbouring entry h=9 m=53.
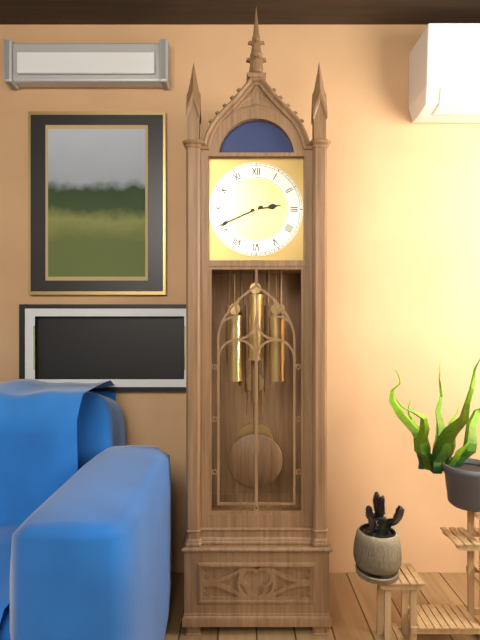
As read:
h=2 m=41
